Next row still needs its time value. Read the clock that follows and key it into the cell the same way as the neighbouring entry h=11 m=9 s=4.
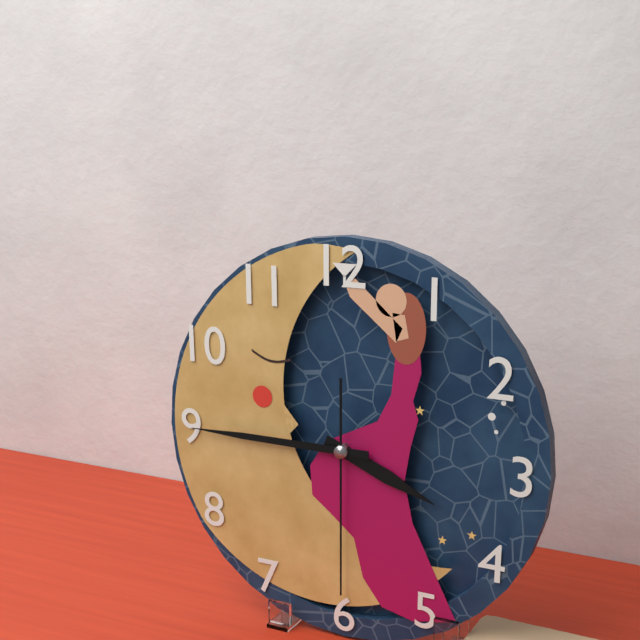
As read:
h=3 m=45 s=30
